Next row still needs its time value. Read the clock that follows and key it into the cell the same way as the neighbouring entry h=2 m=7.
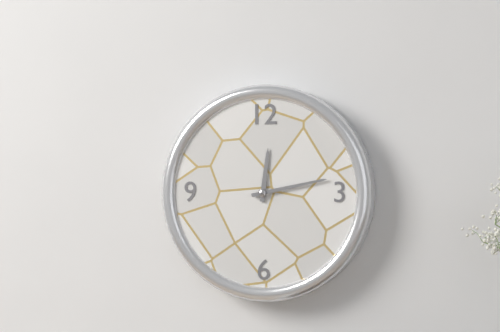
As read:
h=12 m=13
